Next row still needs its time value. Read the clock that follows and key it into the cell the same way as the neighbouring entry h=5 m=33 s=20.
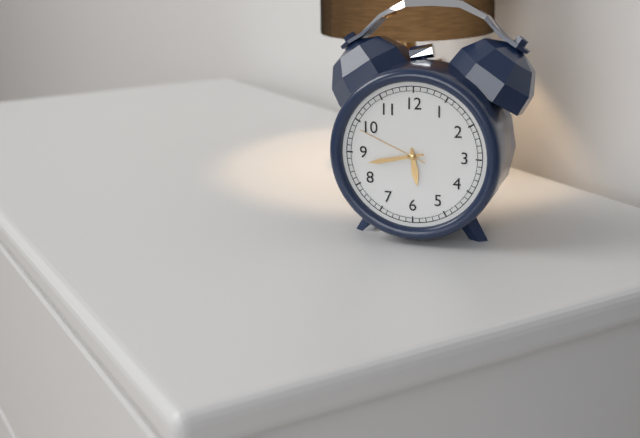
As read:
h=5 m=43 s=49
